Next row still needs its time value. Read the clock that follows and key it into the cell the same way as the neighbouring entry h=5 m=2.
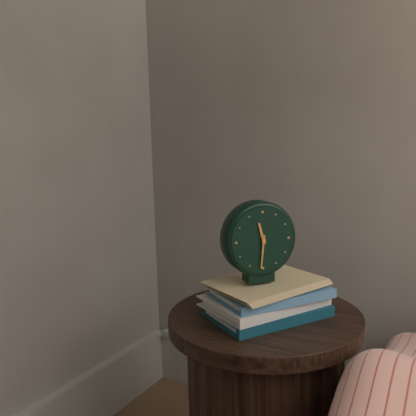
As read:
h=11 m=31
